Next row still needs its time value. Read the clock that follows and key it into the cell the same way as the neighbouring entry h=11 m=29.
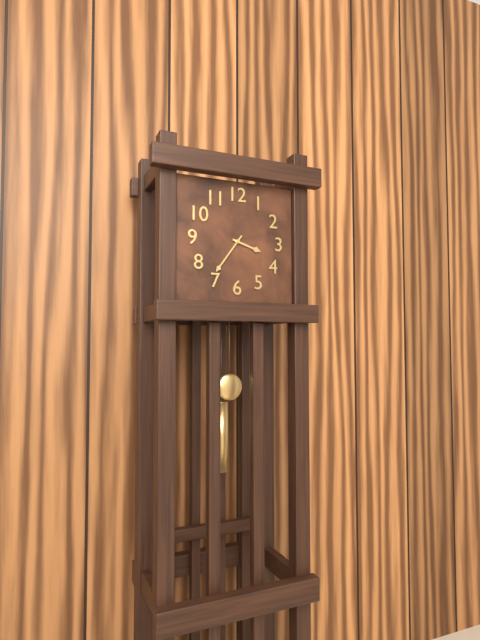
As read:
h=3 m=36
